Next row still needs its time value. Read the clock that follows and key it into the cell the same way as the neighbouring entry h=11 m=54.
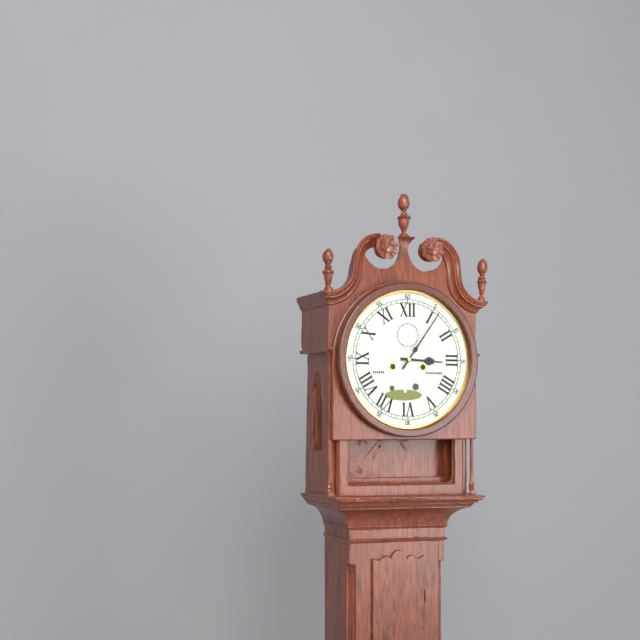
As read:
h=3 m=6
